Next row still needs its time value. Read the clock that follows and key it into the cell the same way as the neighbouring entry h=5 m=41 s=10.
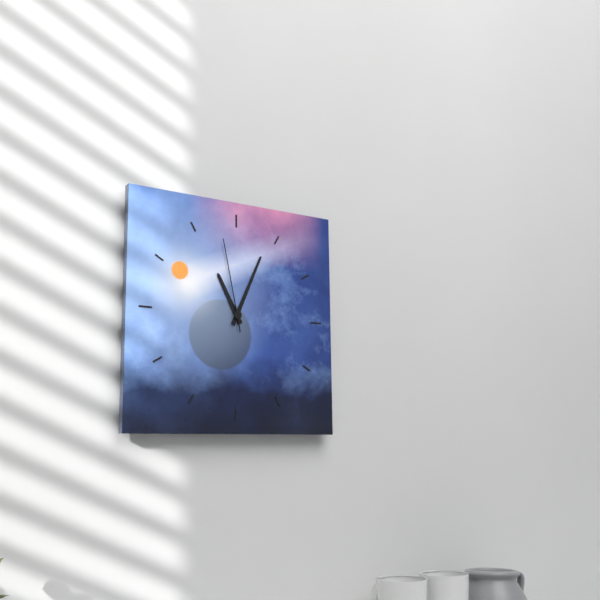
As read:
h=11 m=4 s=58
